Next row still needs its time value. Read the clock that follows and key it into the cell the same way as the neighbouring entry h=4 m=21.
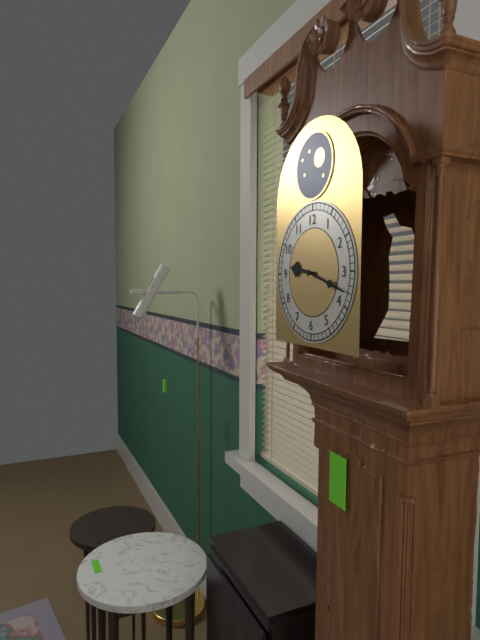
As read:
h=9 m=18
